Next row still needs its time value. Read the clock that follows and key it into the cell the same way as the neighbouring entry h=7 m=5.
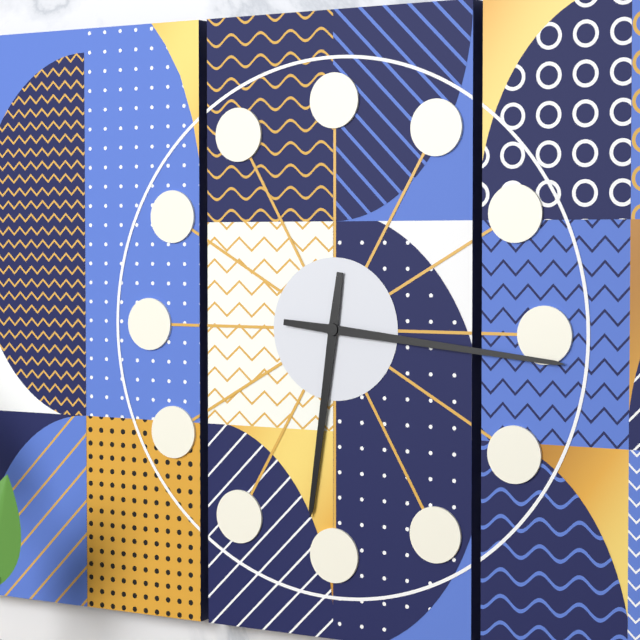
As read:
h=6 m=16
